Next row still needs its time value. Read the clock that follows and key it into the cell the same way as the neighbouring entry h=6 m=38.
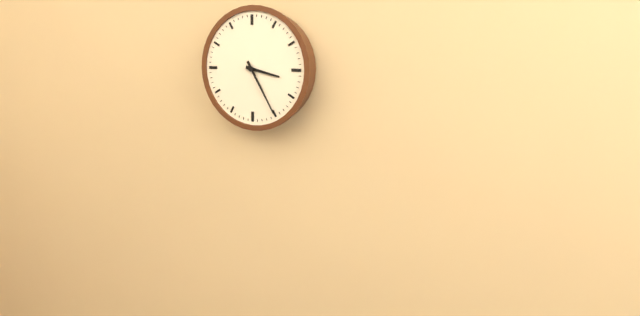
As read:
h=3 m=25
